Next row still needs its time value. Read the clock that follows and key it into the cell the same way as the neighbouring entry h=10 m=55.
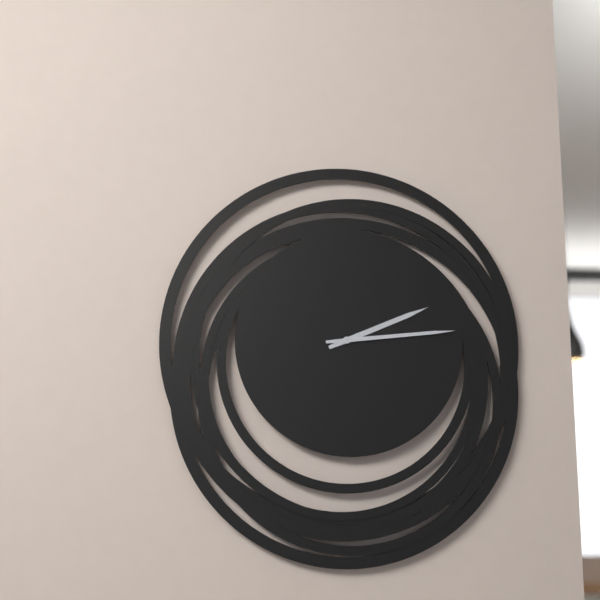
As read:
h=2 m=14
